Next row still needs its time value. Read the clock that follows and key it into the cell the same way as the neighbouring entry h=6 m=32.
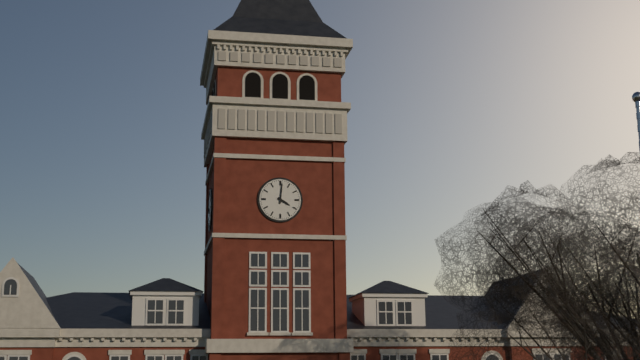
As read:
h=4 m=1
